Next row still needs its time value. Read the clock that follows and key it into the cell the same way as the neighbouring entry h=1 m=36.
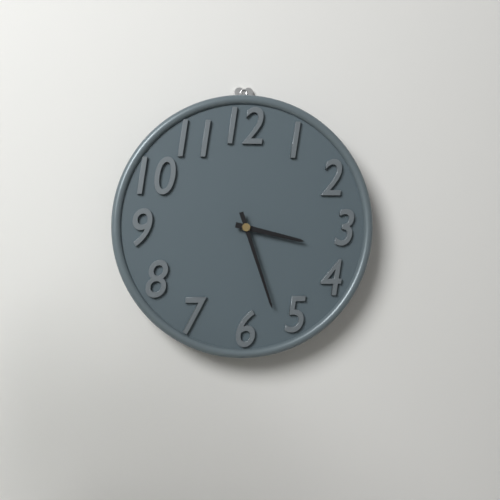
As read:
h=3 m=27
